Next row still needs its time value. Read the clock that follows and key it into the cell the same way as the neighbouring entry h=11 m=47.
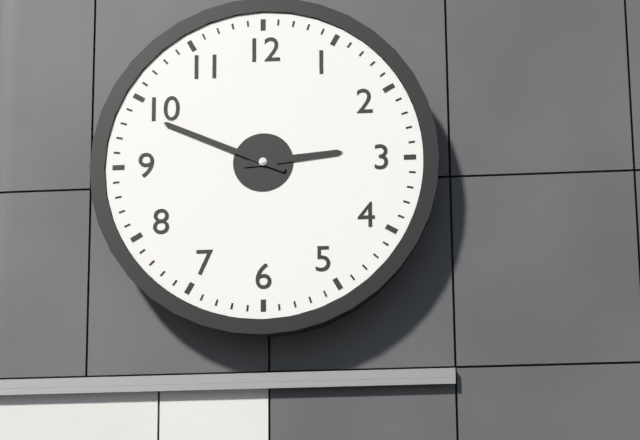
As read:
h=2 m=49
